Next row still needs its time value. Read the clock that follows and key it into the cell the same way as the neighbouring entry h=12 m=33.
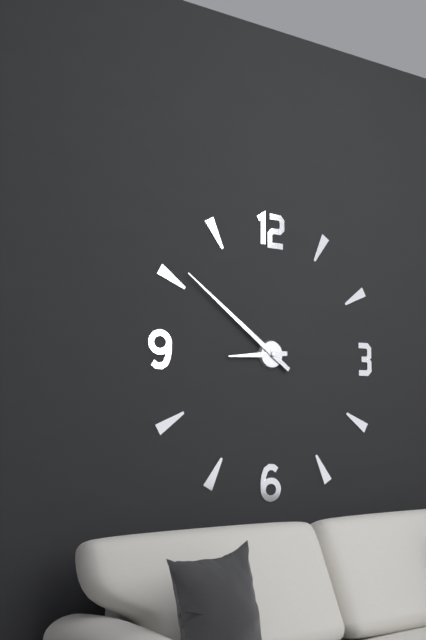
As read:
h=8 m=51
